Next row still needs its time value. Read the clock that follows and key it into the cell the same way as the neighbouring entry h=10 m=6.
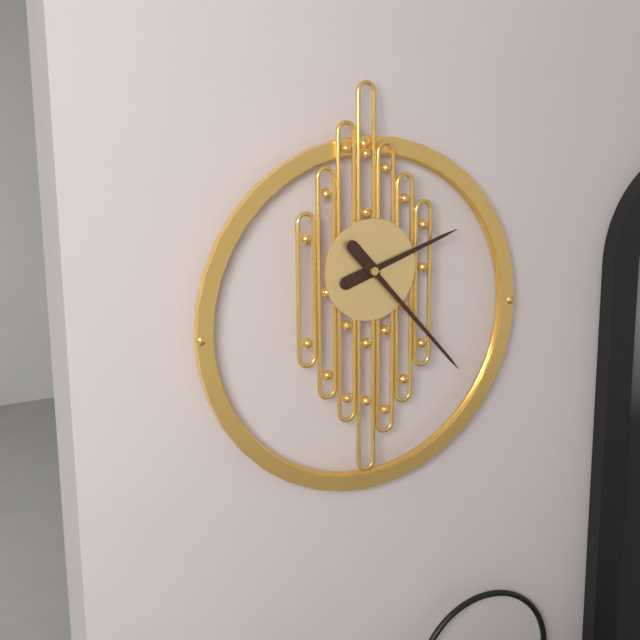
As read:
h=2 m=23
